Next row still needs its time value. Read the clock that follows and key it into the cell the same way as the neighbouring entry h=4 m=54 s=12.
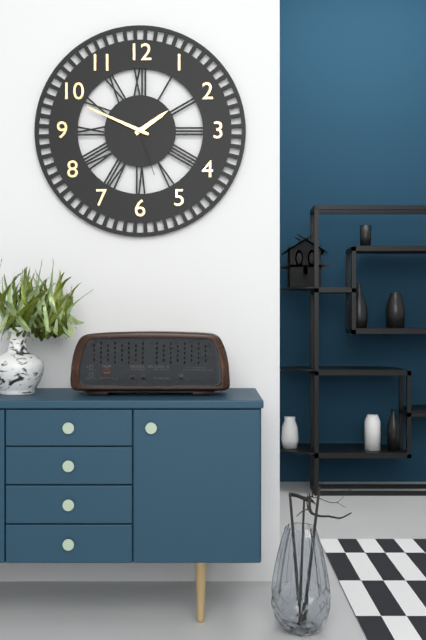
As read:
h=1 m=49 s=27
